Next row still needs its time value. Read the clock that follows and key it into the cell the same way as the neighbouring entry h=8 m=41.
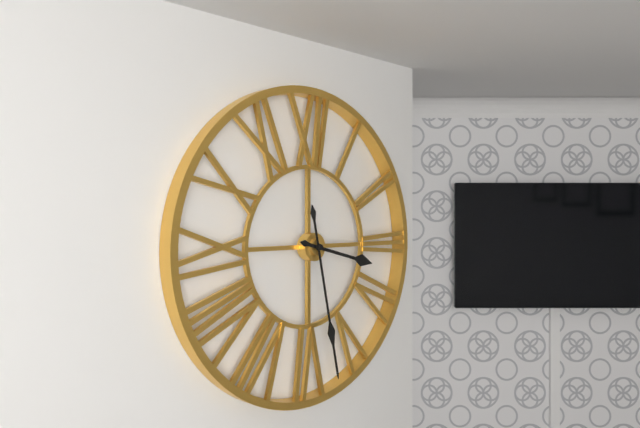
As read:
h=3 m=28
